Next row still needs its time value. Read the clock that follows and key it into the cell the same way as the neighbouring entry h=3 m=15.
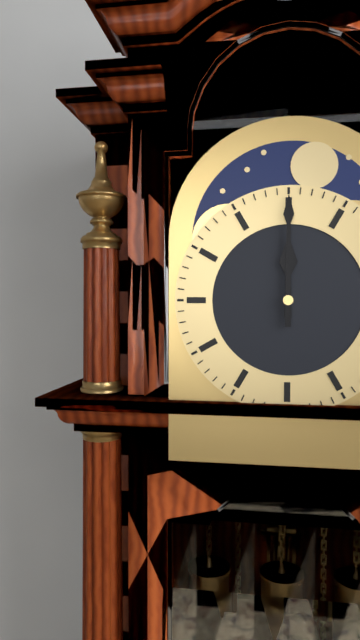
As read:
h=12 m=0
